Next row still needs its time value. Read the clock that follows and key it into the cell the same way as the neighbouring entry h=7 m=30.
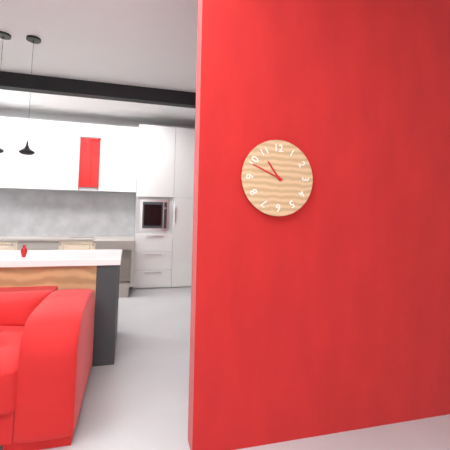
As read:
h=10 m=49
